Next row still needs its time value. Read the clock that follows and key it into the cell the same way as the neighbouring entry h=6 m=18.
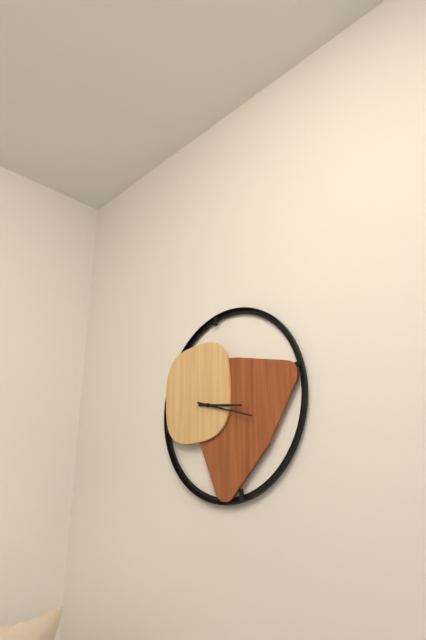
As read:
h=3 m=18
